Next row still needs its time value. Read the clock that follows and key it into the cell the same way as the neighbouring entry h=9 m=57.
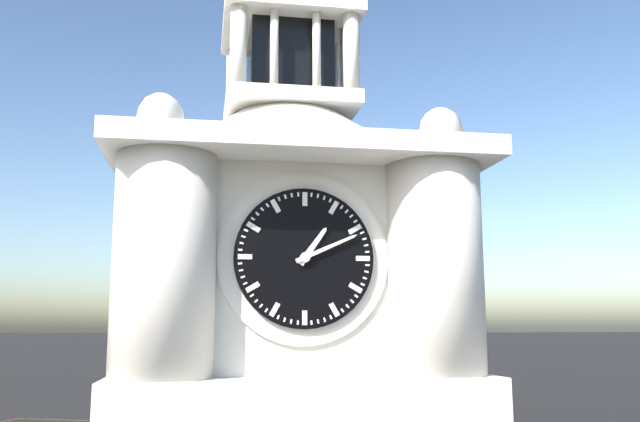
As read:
h=1 m=11
